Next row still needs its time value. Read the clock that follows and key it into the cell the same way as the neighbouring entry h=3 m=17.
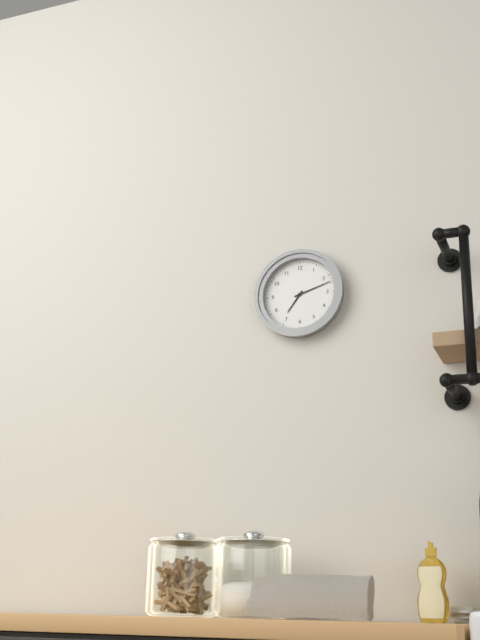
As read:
h=7 m=12
